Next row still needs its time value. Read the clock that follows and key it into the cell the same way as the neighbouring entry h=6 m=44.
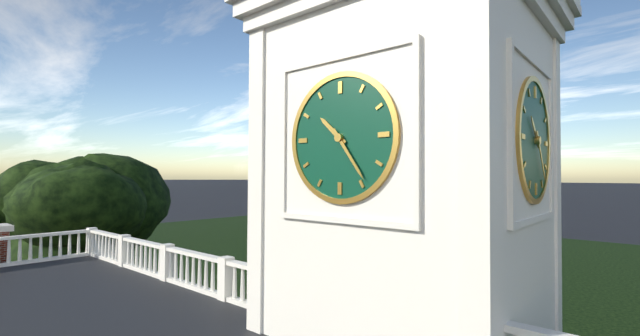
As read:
h=10 m=24
